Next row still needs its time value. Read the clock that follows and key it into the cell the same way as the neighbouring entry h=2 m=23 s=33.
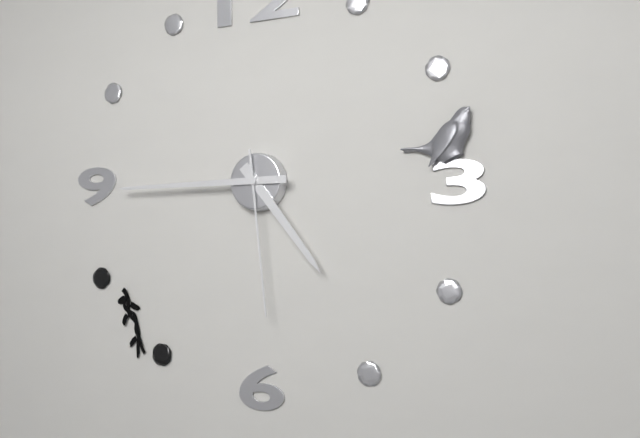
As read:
h=4 m=45 s=29
